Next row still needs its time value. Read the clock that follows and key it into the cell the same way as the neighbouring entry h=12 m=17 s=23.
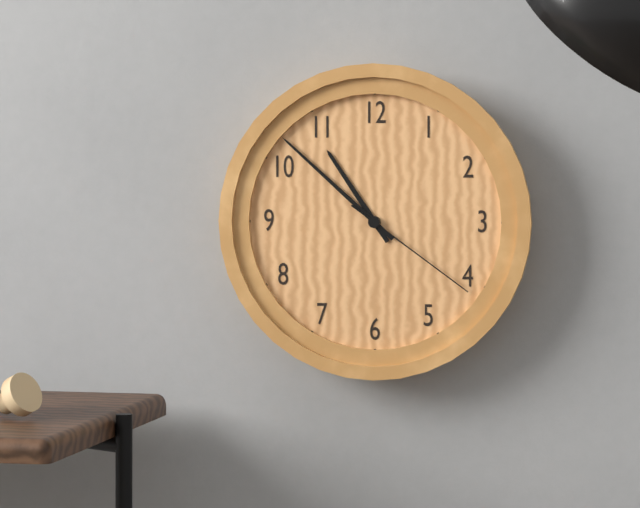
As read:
h=10 m=52 s=21
